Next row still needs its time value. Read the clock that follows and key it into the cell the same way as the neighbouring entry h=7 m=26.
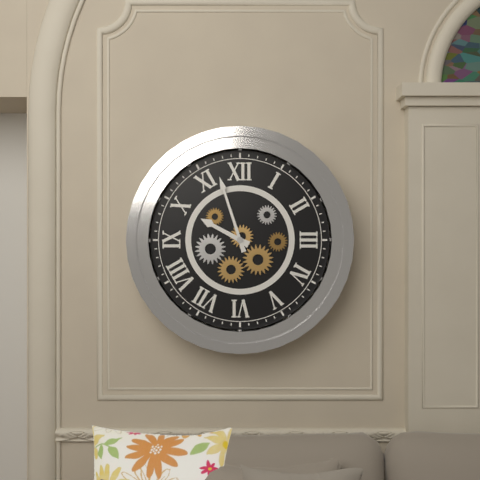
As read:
h=9 m=57
